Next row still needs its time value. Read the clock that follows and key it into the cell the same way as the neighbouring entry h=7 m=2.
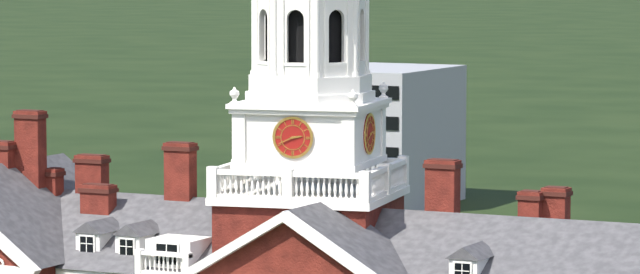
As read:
h=2 m=41
